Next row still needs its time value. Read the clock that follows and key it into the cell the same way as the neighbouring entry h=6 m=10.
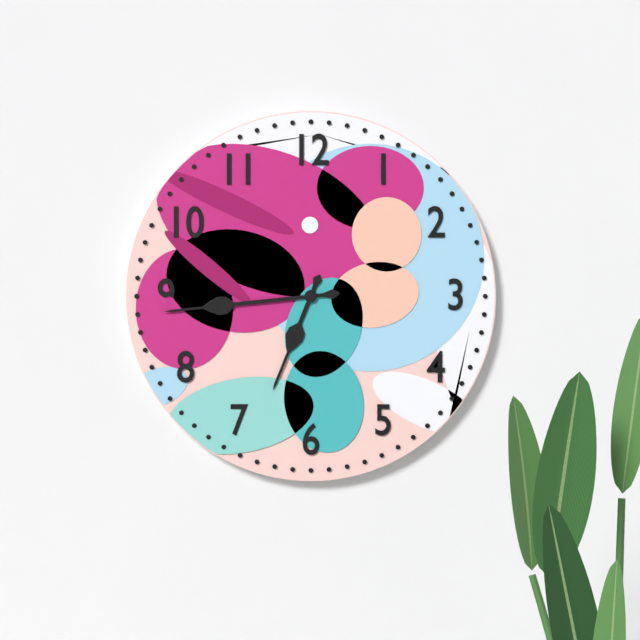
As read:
h=6 m=44
